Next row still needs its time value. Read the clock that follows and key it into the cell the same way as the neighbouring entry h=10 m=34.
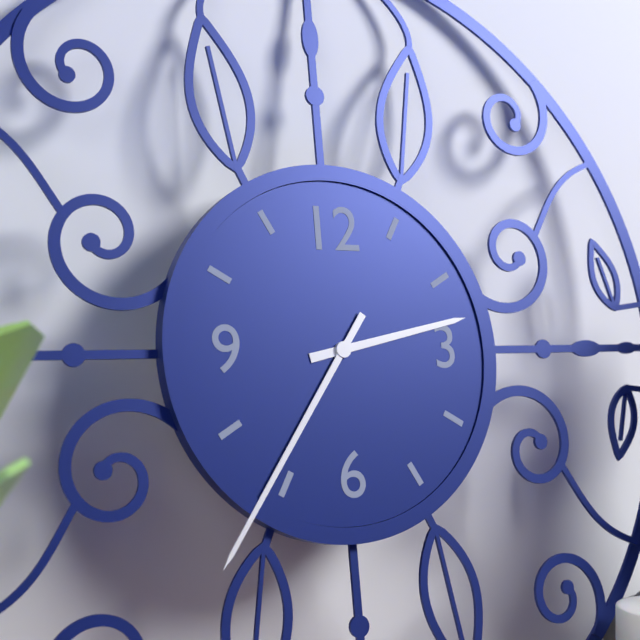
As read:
h=2 m=36
